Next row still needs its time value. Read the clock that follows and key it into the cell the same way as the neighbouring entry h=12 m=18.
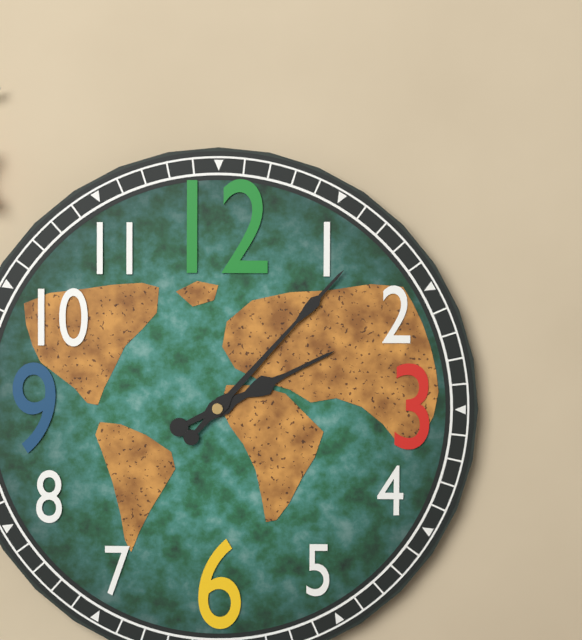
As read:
h=2 m=7
